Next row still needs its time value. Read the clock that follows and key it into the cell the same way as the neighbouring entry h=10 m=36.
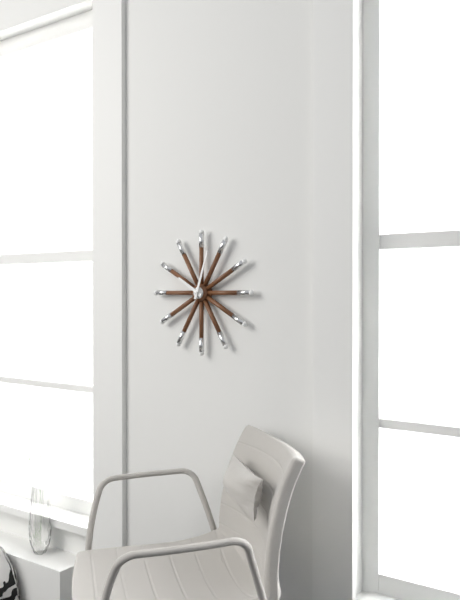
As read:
h=10 m=3
